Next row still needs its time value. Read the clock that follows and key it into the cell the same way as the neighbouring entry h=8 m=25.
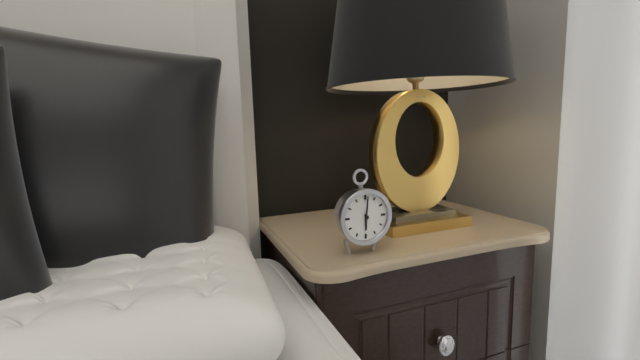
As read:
h=6 m=1
